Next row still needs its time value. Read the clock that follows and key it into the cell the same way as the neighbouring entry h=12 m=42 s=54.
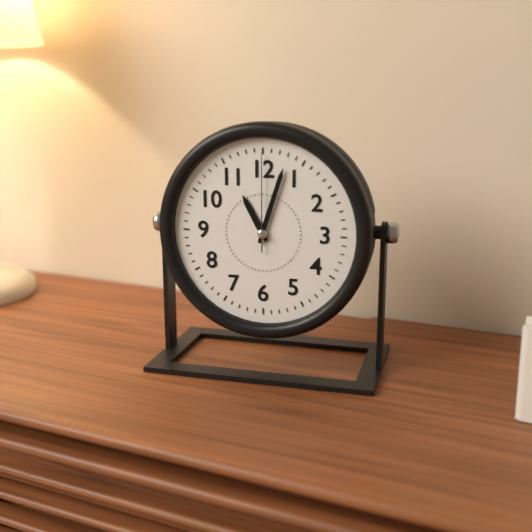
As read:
h=11 m=3 s=0
